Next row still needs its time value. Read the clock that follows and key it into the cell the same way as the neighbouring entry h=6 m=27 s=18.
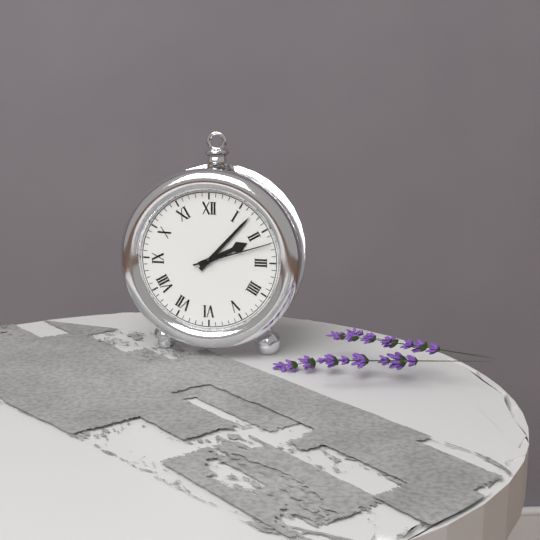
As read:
h=2 m=7 s=12
